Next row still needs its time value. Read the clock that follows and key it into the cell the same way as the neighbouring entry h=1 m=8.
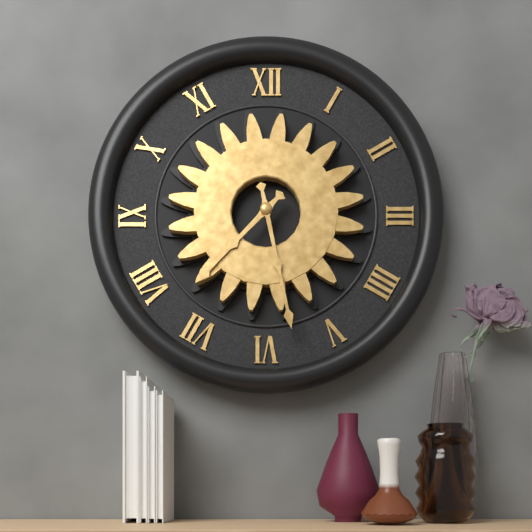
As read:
h=7 m=28
